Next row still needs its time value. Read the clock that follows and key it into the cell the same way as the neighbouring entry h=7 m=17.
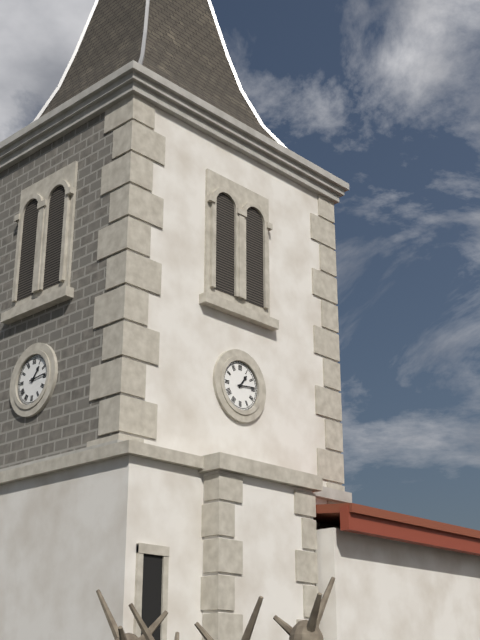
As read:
h=1 m=14
